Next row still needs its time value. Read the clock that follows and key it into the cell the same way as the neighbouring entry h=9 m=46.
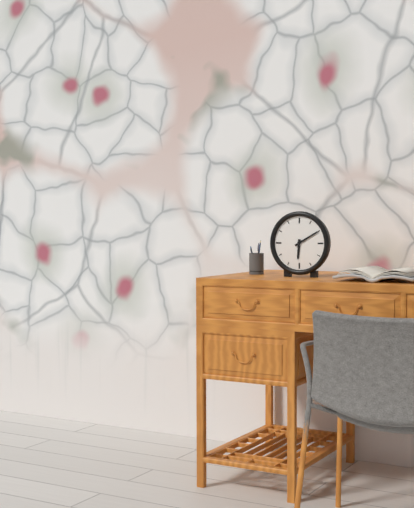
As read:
h=6 m=10
